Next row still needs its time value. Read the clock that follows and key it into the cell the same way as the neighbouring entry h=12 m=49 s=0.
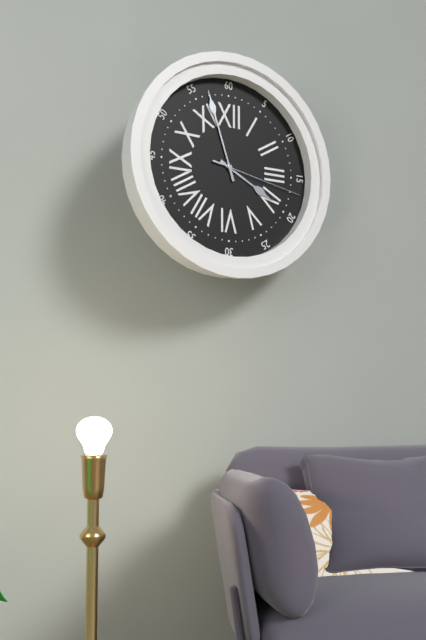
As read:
h=3 m=57 s=17
